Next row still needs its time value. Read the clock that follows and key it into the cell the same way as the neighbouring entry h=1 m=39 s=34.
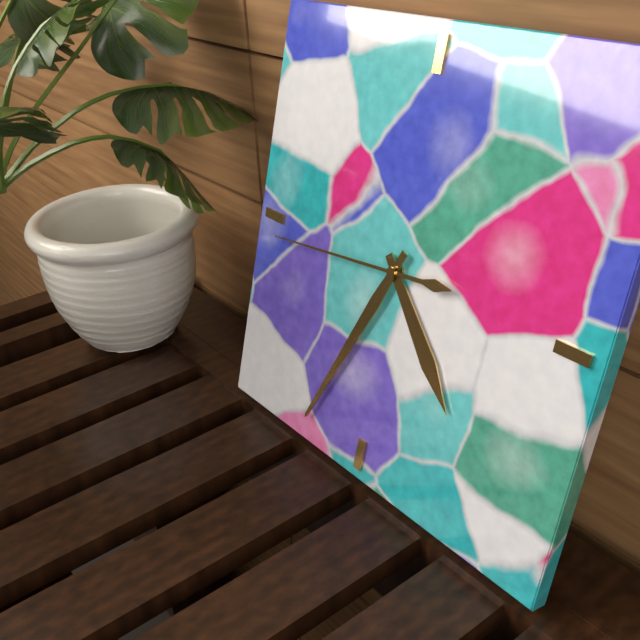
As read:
h=4 m=34 s=44
